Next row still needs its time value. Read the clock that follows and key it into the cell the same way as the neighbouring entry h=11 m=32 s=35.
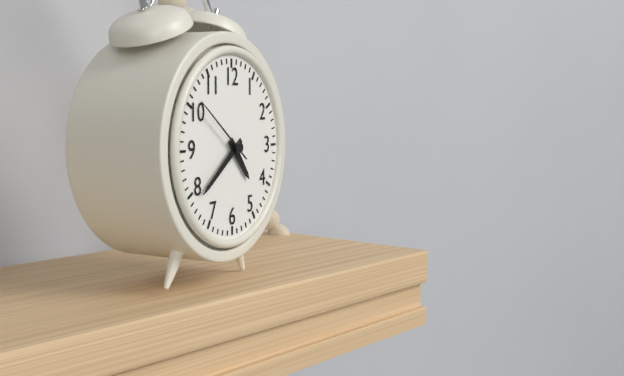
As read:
h=4 m=39 s=51
